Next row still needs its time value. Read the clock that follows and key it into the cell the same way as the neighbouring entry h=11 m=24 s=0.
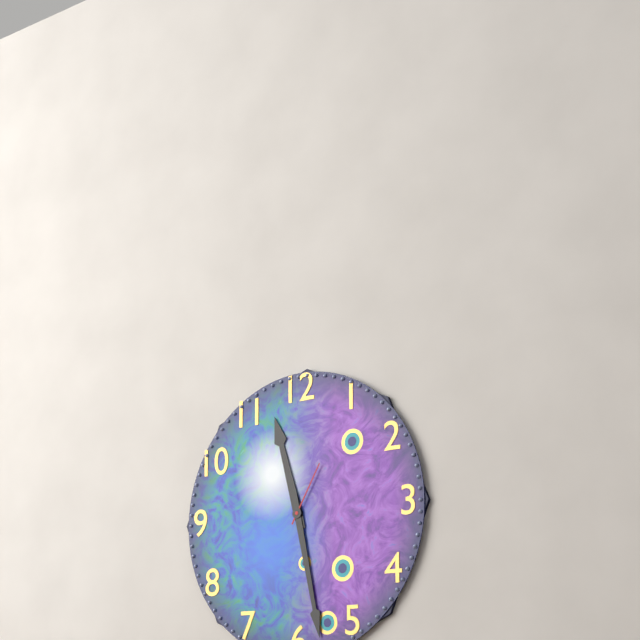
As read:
h=11 m=28 s=5
